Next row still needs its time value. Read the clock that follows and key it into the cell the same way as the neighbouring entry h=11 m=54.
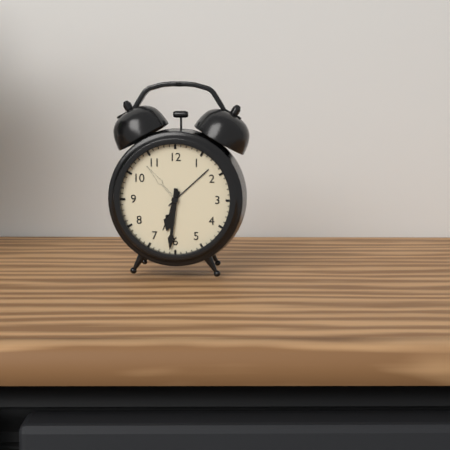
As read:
h=6 m=31
